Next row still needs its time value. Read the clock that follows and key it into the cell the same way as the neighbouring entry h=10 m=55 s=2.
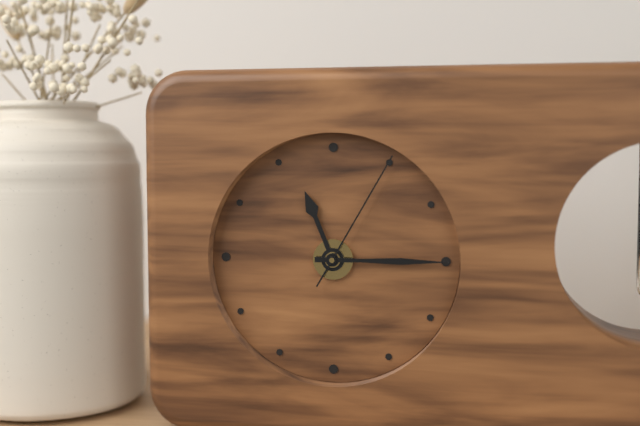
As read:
h=11 m=15 s=5
